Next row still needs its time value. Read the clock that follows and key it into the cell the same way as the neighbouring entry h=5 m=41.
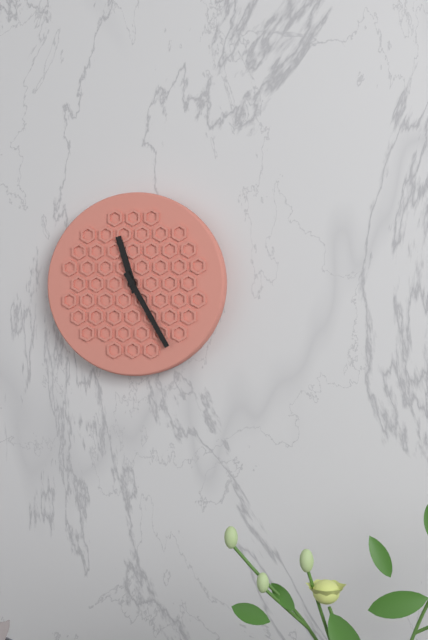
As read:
h=11 m=25
